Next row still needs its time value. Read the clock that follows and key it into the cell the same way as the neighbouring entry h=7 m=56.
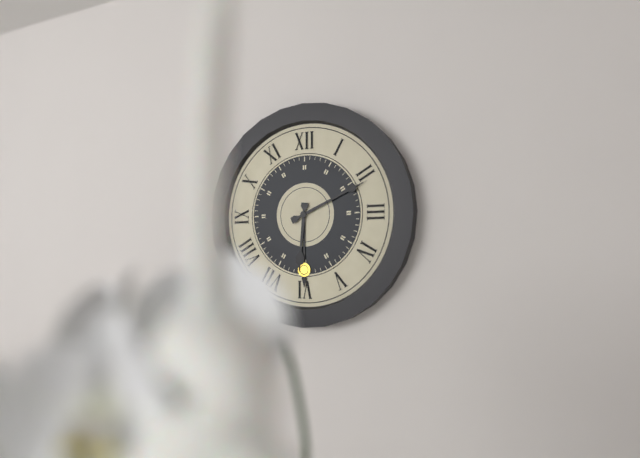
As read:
h=6 m=11
